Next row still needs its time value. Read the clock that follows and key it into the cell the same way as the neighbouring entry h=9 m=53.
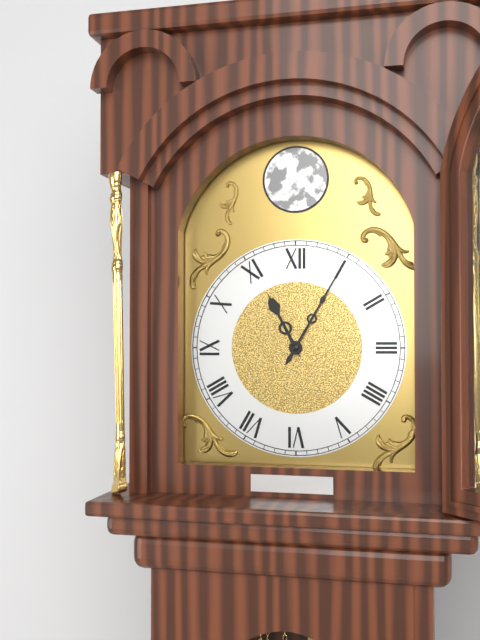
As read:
h=11 m=5
